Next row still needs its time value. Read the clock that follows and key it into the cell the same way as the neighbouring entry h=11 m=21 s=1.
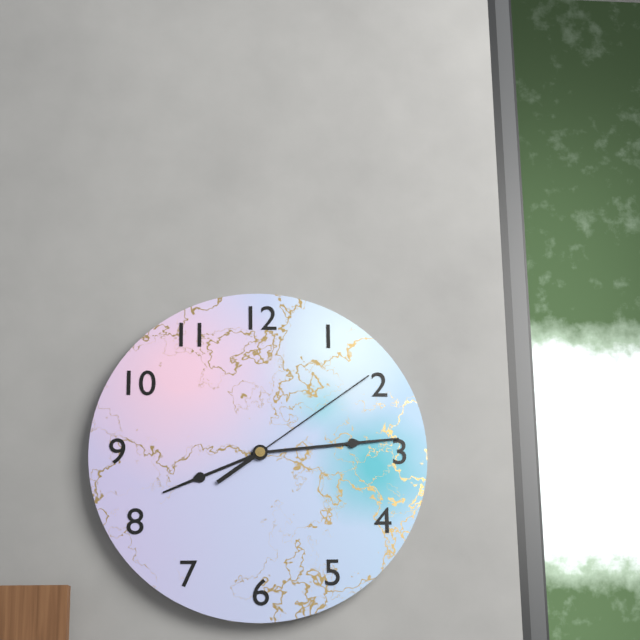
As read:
h=8 m=14 s=9
